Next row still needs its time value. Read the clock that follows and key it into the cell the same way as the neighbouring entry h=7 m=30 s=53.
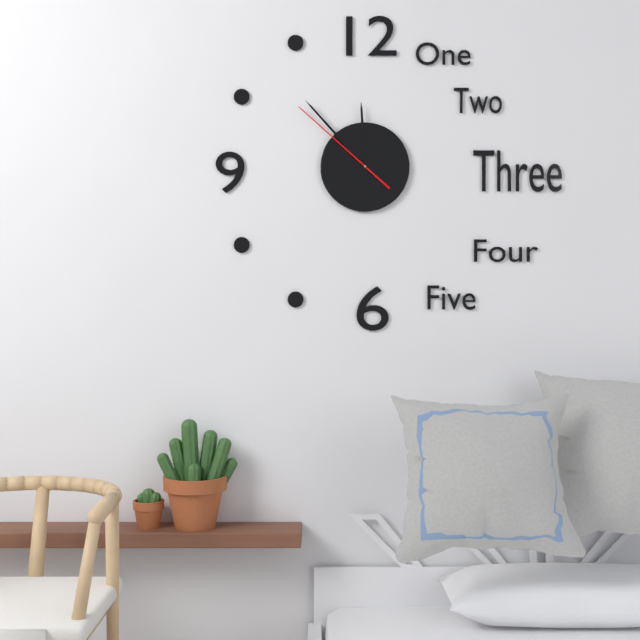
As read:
h=11 m=53 s=52
